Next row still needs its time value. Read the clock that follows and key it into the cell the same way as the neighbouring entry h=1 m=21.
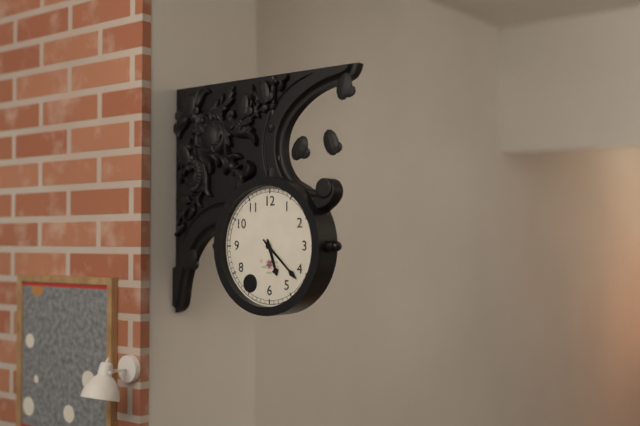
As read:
h=5 m=22
